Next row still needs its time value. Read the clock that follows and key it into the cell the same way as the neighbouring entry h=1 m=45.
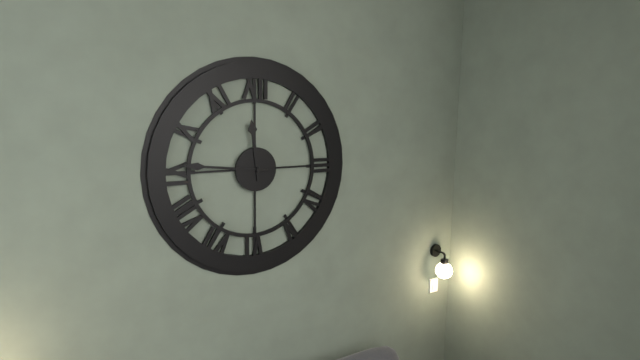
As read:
h=11 m=46
